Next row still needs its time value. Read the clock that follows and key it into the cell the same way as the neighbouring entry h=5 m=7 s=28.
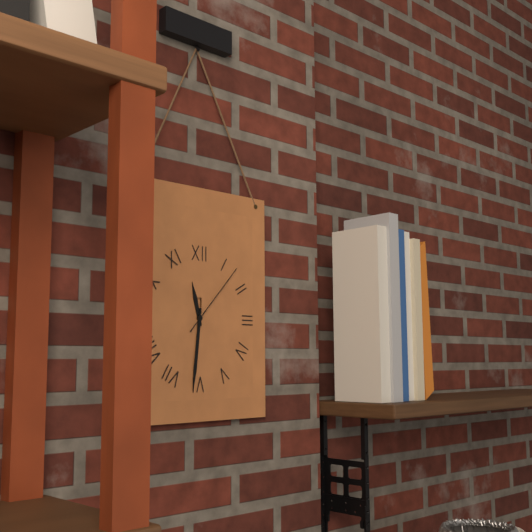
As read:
h=11 m=31 s=7
